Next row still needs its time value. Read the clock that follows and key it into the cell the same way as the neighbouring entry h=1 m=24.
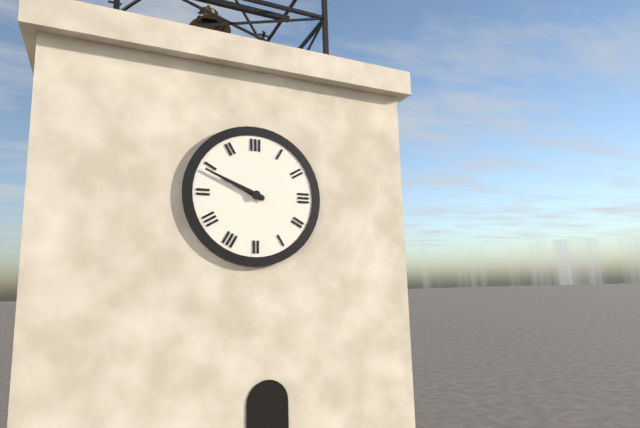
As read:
h=9 m=49
